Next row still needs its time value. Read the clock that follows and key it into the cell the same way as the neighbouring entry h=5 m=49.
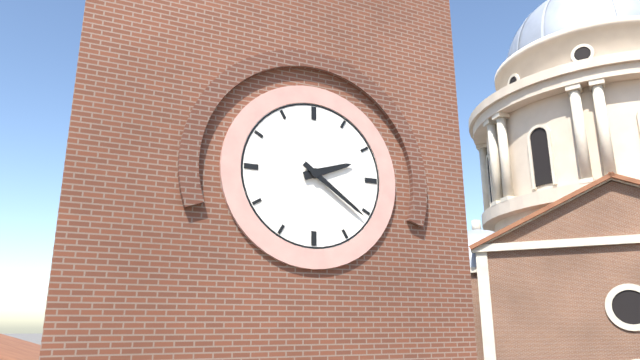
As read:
h=2 m=21
